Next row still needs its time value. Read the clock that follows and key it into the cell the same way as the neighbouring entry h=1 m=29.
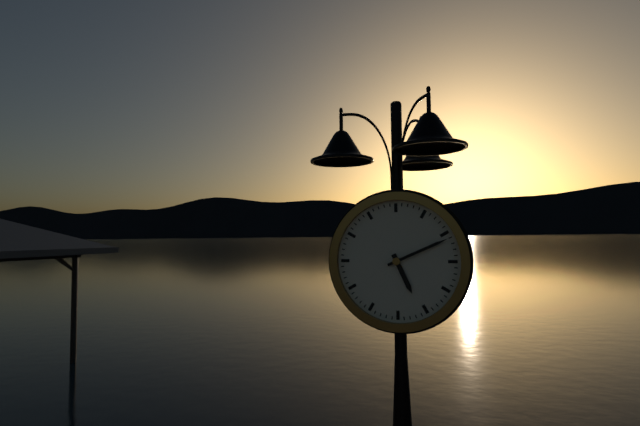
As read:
h=5 m=11
